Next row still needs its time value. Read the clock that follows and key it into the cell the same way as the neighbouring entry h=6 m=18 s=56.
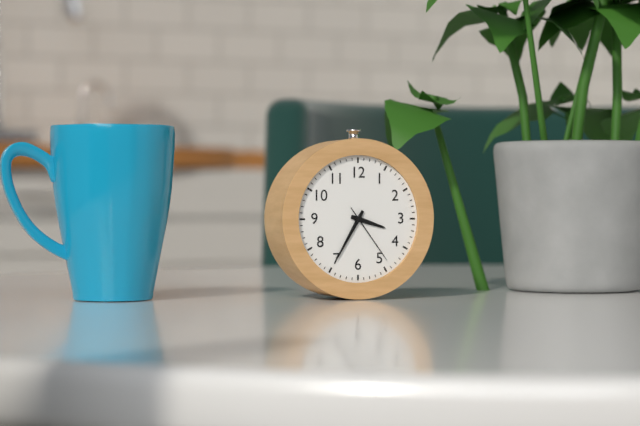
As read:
h=3 m=35 s=24
